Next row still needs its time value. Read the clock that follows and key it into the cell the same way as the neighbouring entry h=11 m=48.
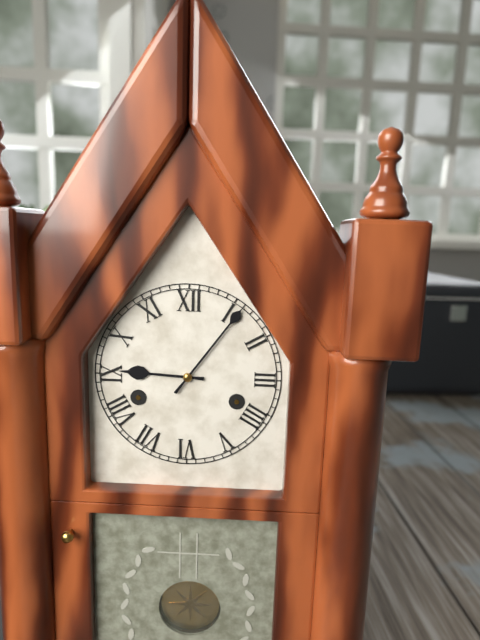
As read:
h=9 m=6
